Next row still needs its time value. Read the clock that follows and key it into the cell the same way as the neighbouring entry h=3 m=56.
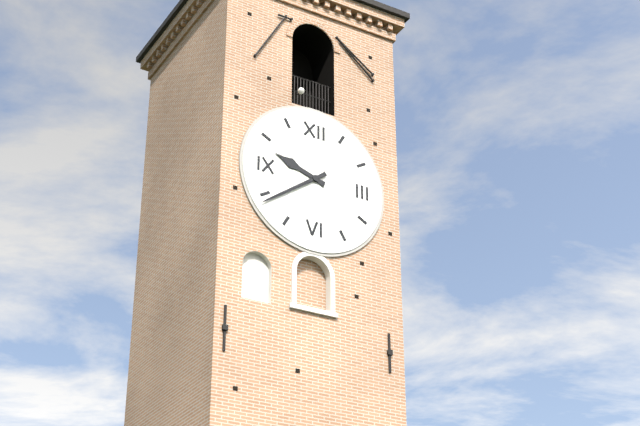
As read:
h=9 m=39
